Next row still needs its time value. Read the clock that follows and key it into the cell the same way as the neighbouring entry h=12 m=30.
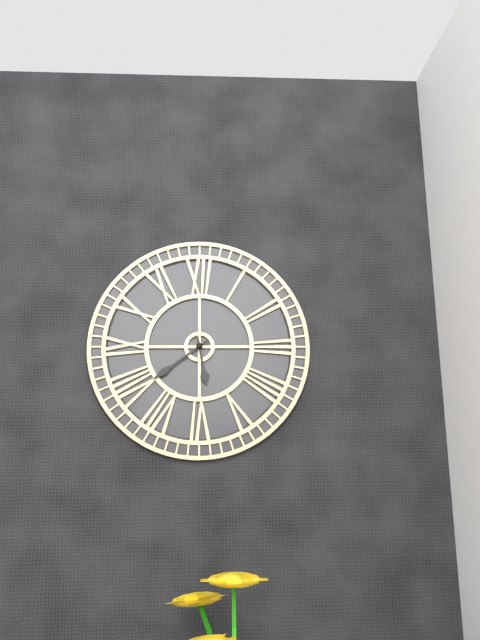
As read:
h=5 m=39
